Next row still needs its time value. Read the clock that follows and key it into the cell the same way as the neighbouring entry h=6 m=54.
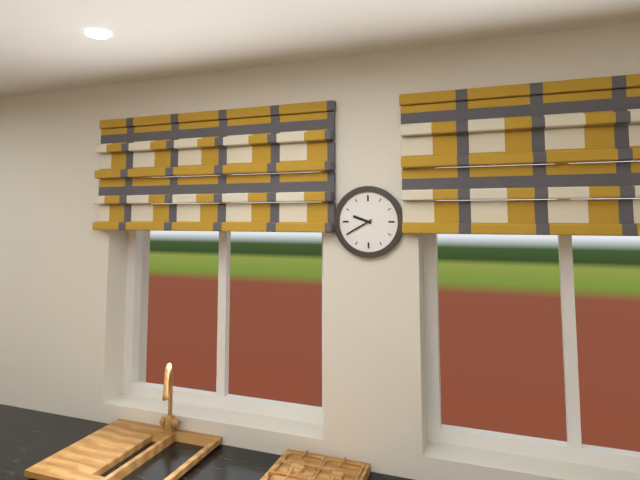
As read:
h=9 m=40
